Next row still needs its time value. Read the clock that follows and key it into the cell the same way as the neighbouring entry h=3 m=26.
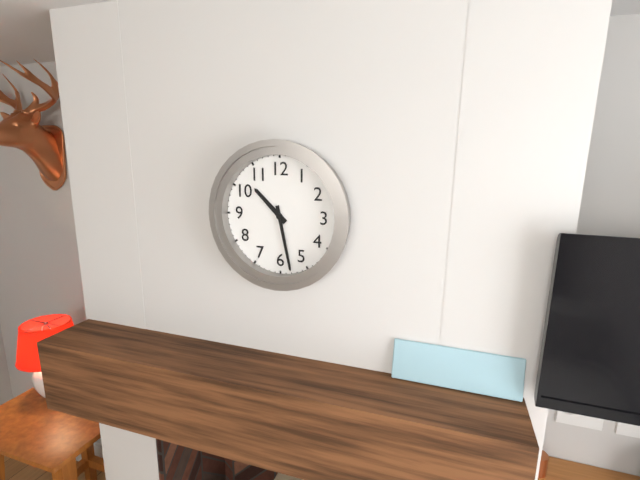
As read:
h=10 m=28
